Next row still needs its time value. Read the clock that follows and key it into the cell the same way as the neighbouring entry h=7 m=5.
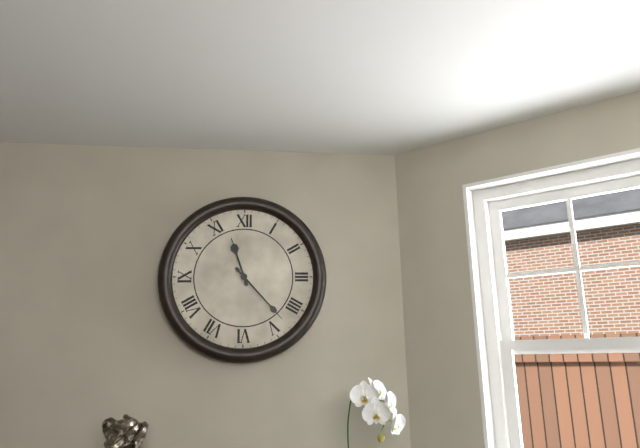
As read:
h=11 m=23
